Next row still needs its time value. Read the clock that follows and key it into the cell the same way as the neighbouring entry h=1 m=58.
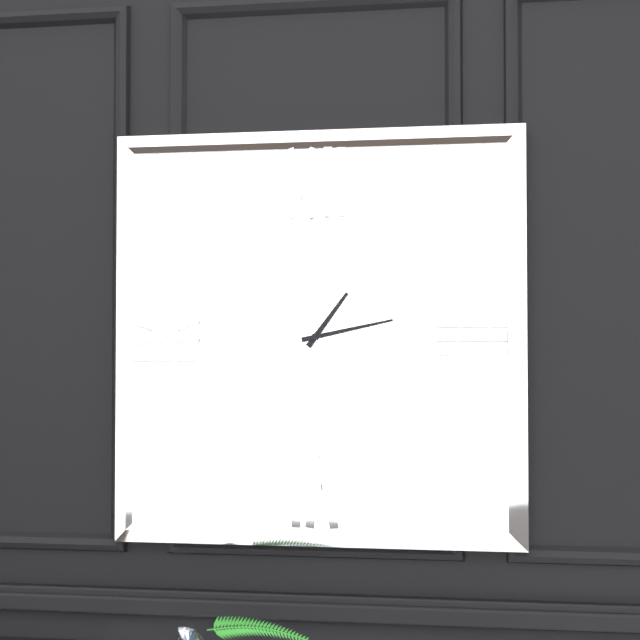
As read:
h=1 m=13
